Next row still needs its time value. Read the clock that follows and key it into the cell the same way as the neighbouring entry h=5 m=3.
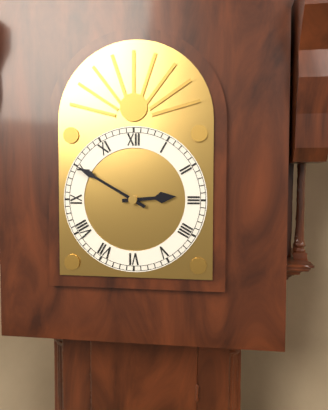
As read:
h=2 m=50
